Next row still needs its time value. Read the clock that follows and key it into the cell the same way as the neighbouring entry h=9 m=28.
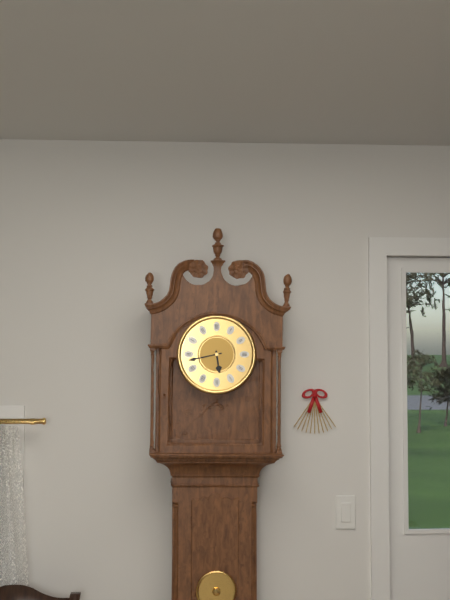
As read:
h=5 m=43
